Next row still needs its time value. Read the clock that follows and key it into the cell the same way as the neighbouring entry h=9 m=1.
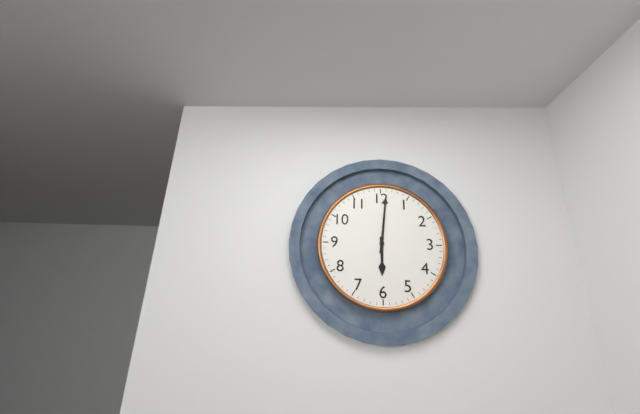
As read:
h=6 m=1
